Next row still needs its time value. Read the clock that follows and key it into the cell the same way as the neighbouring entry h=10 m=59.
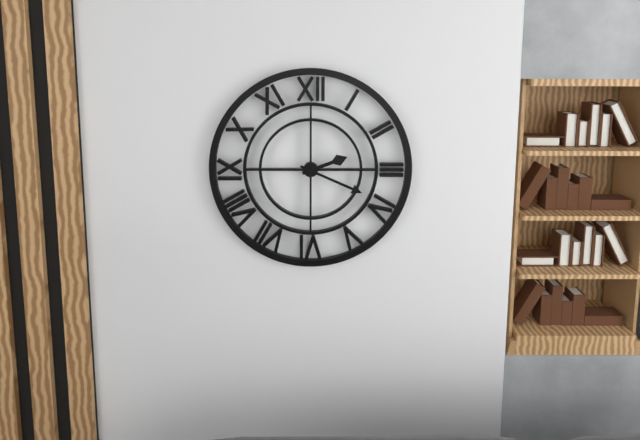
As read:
h=2 m=19
